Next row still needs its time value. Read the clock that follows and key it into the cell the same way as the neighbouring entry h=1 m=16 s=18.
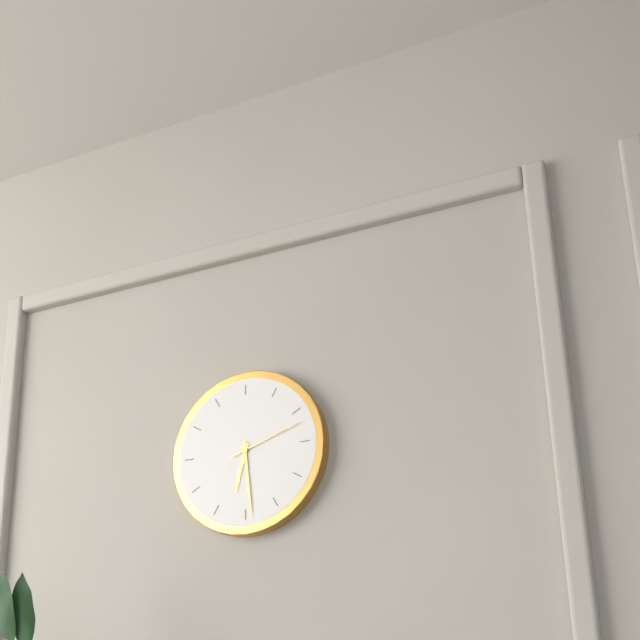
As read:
h=6 m=29 s=12
